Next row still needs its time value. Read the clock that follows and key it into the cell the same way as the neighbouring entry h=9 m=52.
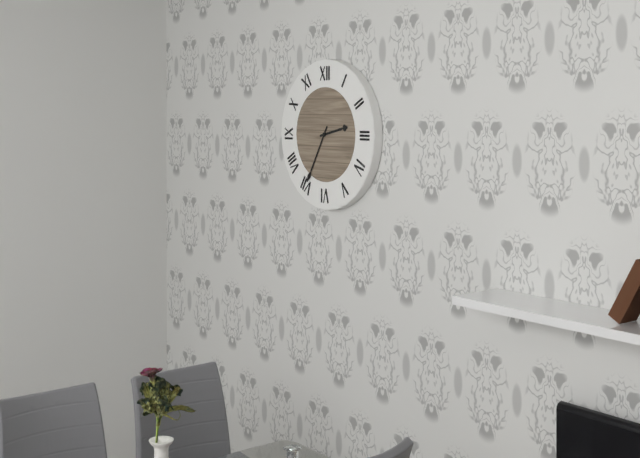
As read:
h=2 m=35
